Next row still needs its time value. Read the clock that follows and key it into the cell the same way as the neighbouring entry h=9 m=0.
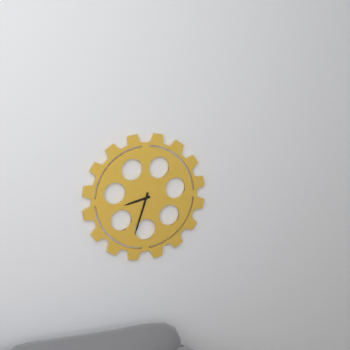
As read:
h=8 m=33
